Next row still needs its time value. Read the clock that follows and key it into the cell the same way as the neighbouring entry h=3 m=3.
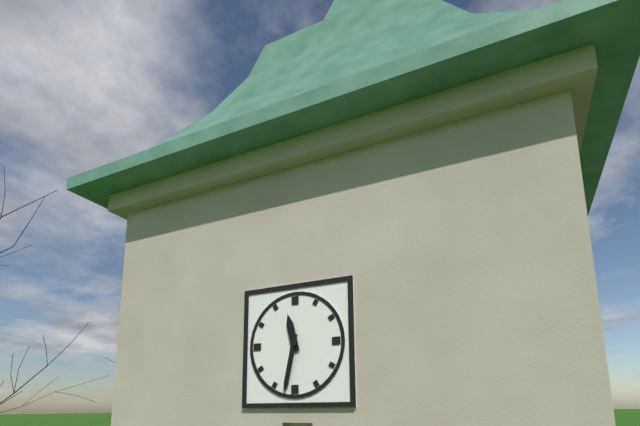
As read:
h=11 m=32
